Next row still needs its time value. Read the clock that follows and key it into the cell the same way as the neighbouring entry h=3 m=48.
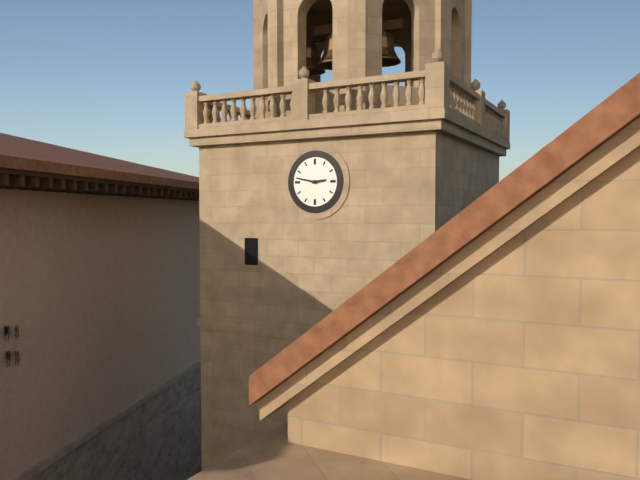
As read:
h=2 m=47
